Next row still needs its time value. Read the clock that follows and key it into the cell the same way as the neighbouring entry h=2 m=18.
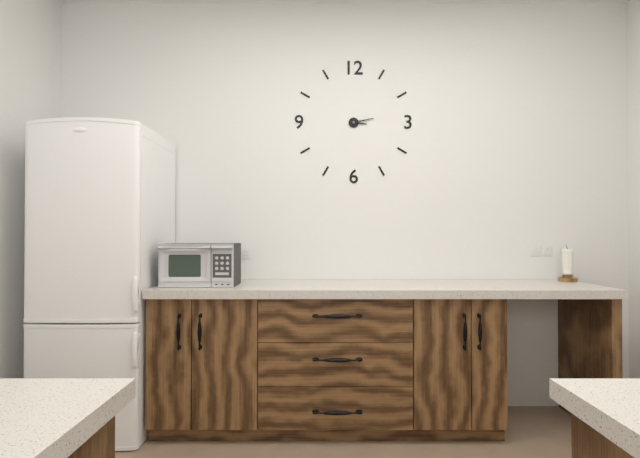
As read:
h=3 m=13
